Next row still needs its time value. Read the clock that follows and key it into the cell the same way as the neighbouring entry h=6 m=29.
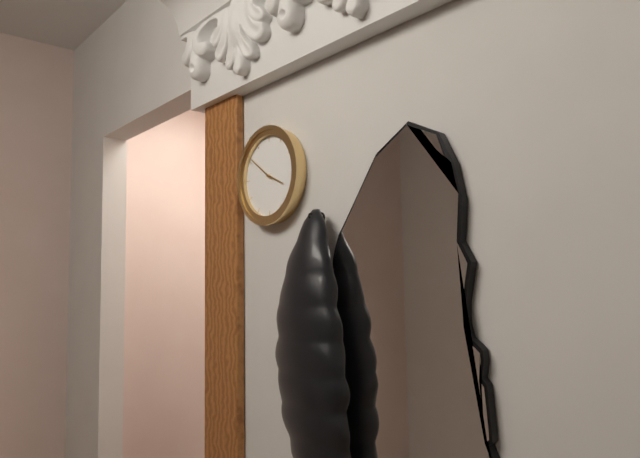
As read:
h=3 m=51
